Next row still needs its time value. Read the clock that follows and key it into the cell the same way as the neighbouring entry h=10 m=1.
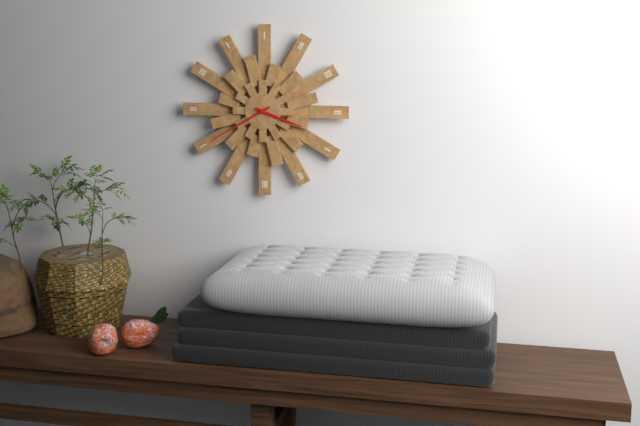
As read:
h=3 m=40
